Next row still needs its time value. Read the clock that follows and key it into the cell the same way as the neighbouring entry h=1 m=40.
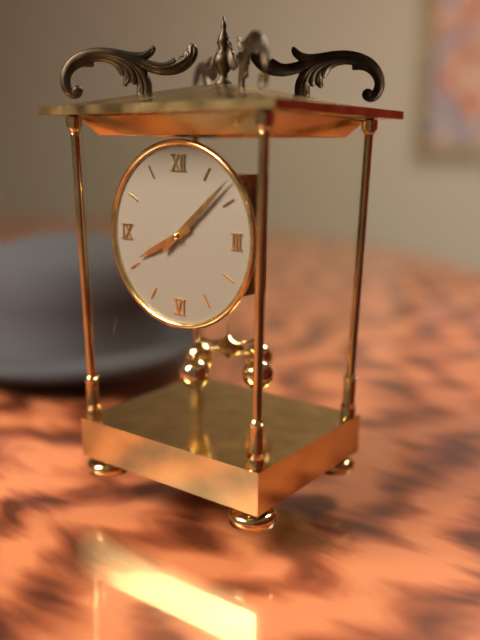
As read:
h=8 m=8
